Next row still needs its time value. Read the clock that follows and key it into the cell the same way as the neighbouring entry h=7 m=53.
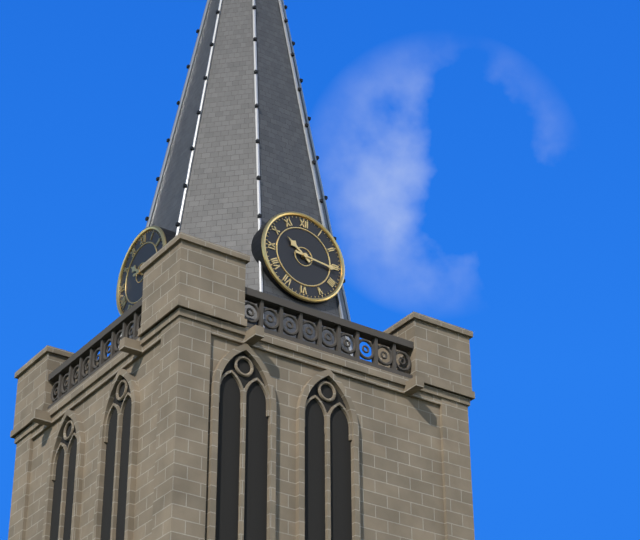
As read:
h=10 m=16
